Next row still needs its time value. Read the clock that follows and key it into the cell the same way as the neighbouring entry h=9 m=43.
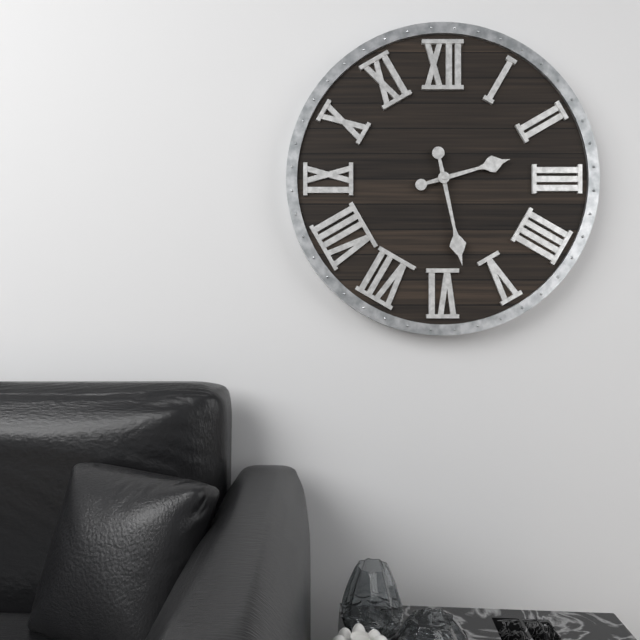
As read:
h=2 m=28
